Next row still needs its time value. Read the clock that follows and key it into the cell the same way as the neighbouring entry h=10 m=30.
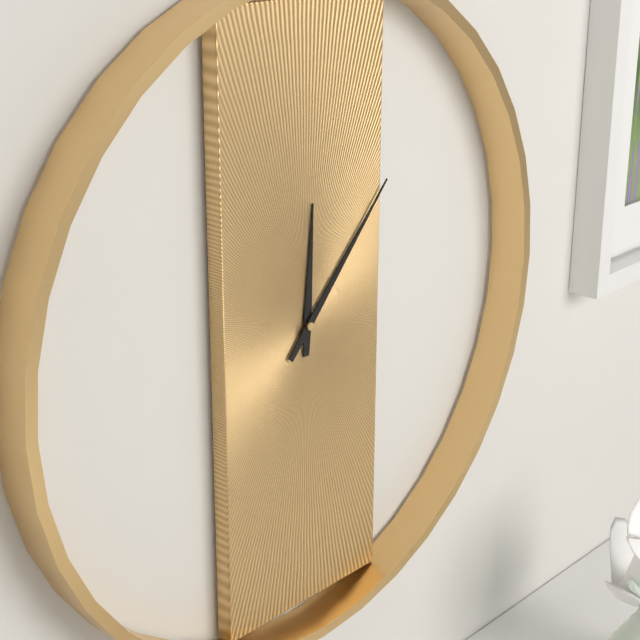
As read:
h=12 m=7
